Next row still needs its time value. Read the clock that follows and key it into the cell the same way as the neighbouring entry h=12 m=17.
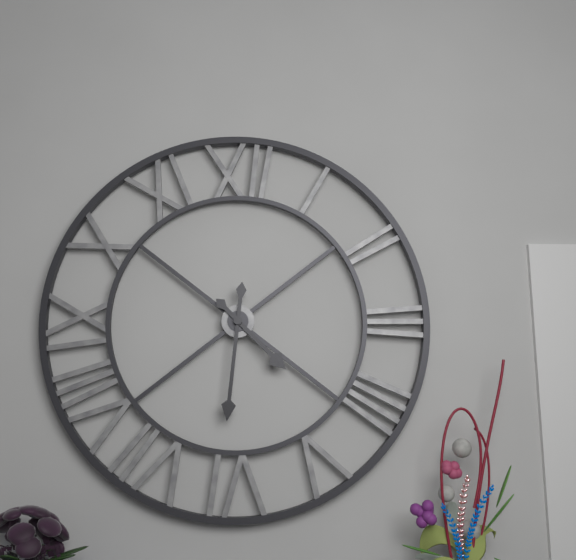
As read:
h=4 m=31
